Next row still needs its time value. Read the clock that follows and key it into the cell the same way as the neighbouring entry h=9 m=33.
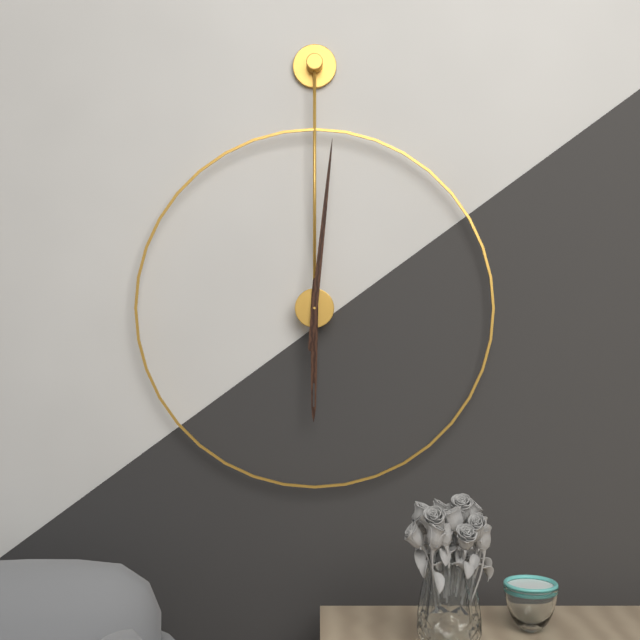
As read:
h=6 m=1
